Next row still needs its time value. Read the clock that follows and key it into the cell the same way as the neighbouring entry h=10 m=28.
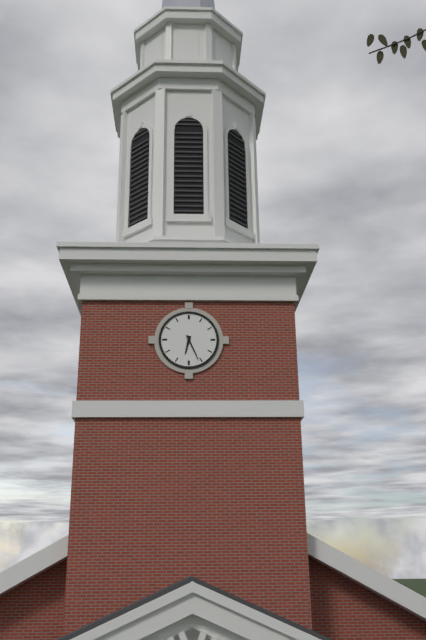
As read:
h=6 m=26
